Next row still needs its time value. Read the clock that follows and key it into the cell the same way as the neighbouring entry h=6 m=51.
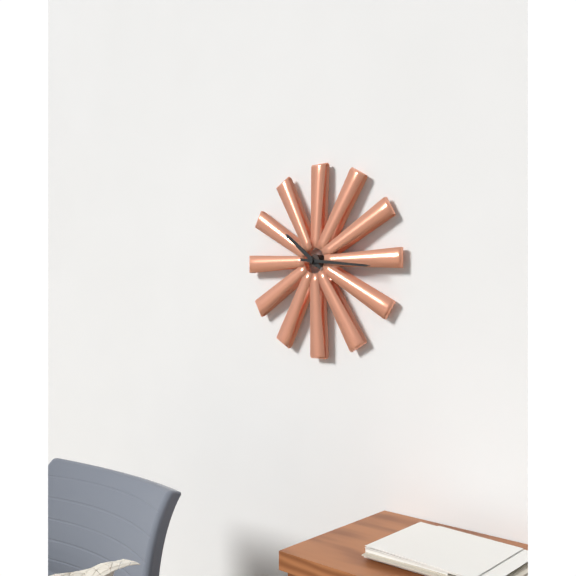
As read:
h=10 m=16
